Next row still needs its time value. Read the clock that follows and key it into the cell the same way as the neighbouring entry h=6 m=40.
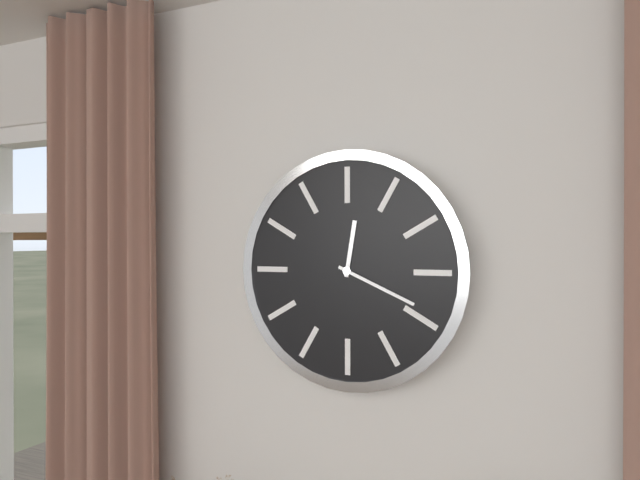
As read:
h=12 m=19
